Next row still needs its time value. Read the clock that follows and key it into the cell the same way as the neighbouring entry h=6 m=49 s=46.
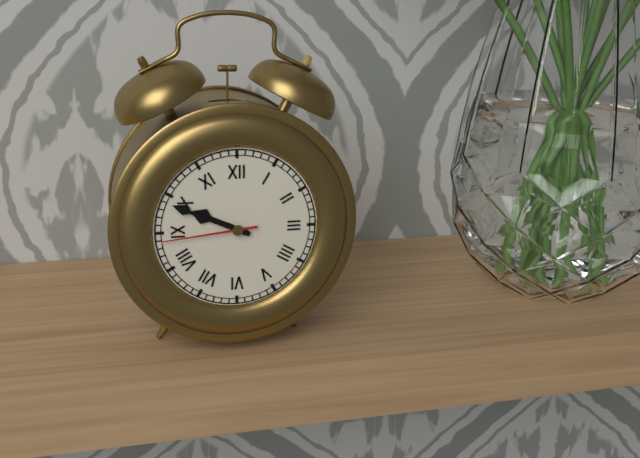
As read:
h=9 m=49 s=44
